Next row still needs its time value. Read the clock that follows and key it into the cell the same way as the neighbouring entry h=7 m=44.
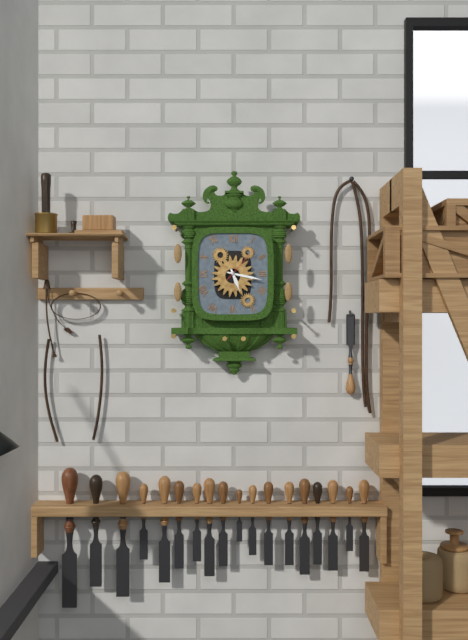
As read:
h=5 m=17
